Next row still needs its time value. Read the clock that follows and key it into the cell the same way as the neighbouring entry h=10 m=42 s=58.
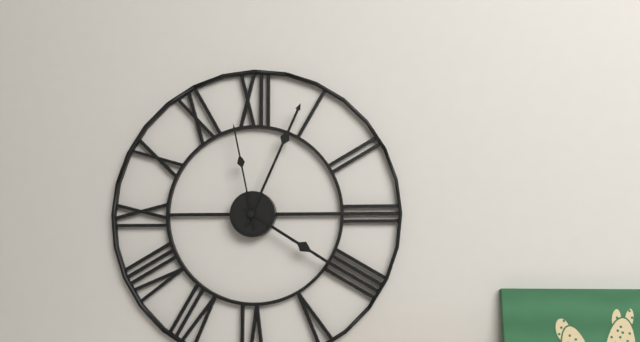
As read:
h=4 m=4 s=58
